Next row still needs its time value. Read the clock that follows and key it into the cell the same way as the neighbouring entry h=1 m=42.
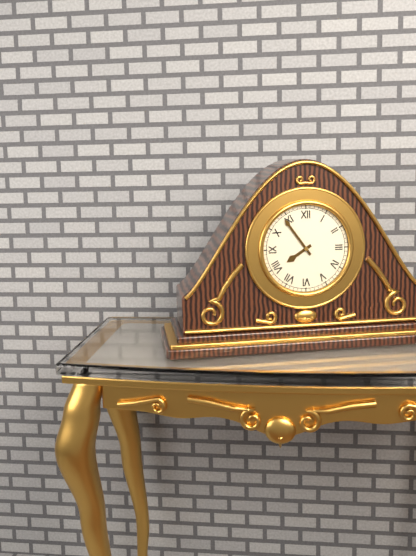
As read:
h=7 m=54
